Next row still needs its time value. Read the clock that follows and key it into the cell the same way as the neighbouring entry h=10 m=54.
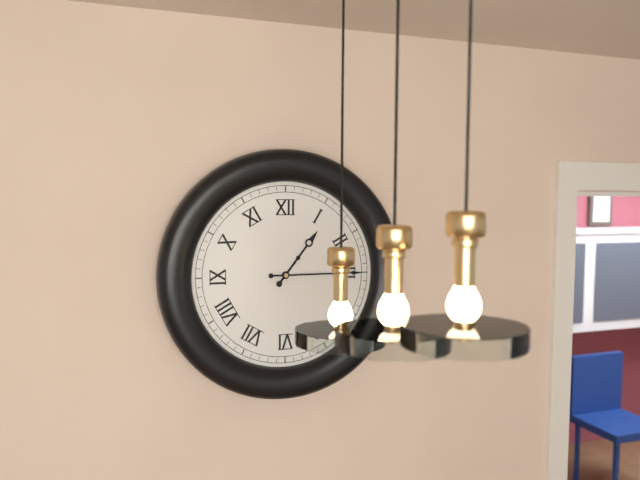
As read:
h=1 m=15
